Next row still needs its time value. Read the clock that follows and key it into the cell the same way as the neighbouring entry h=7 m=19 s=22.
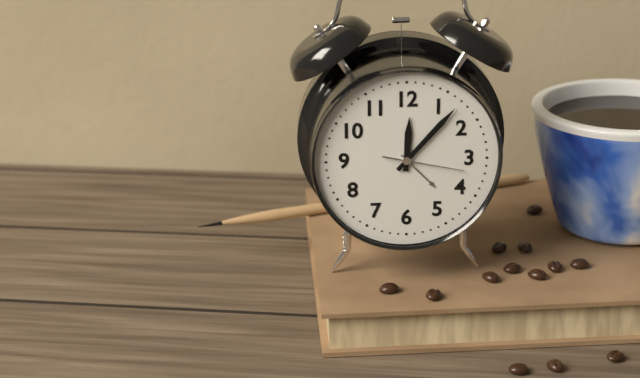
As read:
h=12 m=7 s=17
